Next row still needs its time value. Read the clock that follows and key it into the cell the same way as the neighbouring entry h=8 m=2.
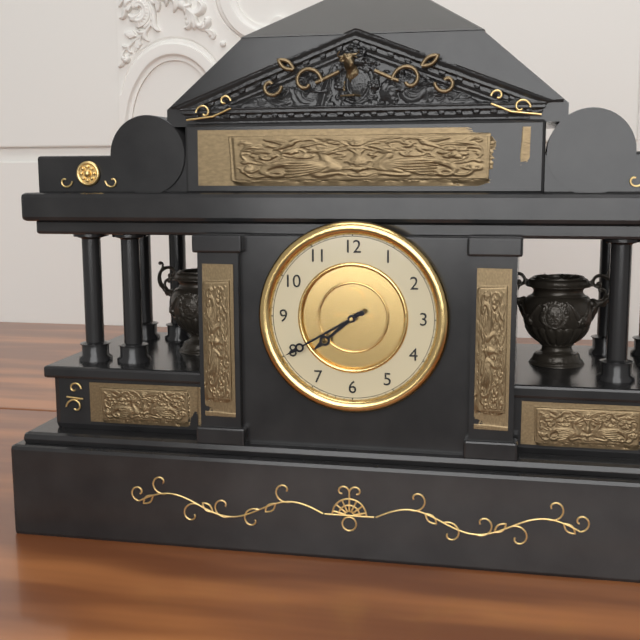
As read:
h=7 m=40
